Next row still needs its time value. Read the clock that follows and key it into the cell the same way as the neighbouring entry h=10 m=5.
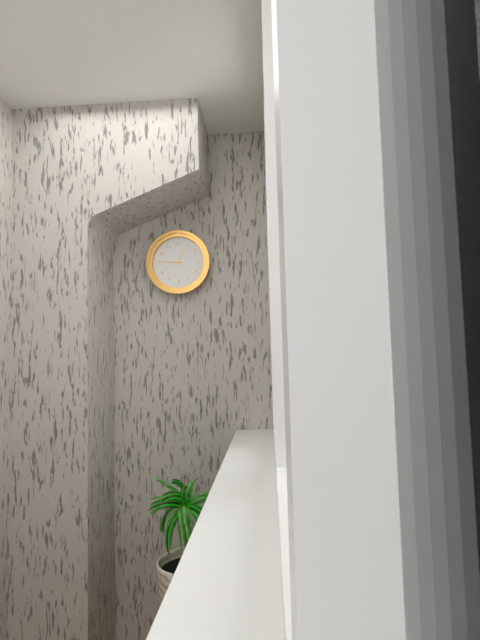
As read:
h=12 m=46
